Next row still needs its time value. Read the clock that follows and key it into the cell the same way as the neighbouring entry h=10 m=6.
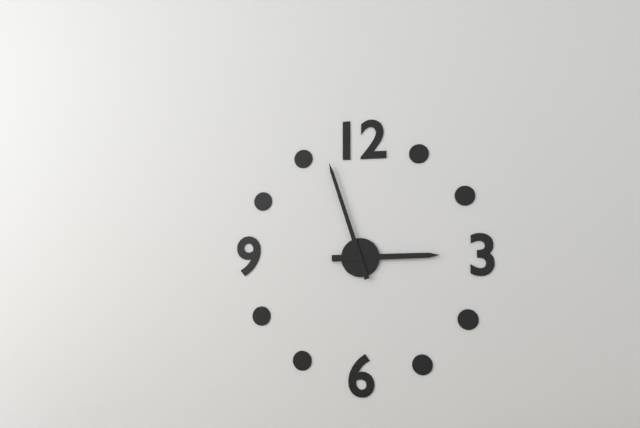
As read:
h=2 m=57
